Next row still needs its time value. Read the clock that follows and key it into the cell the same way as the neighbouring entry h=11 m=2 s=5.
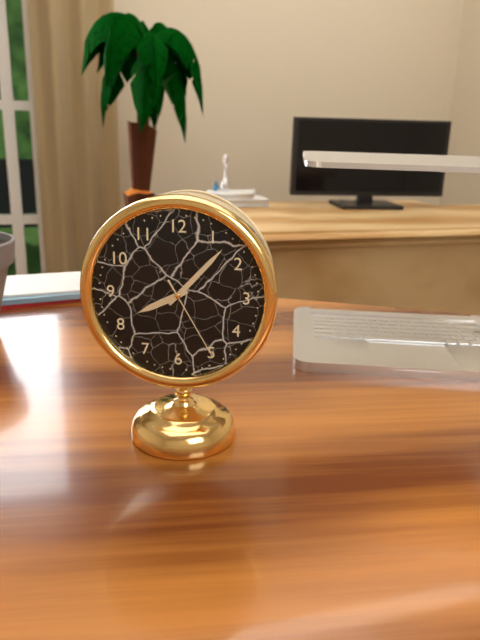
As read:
h=8 m=7 s=25
